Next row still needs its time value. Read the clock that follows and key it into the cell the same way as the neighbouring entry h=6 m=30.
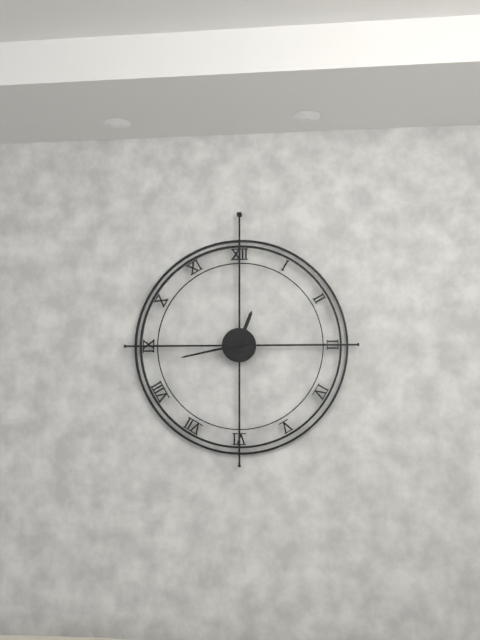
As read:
h=12 m=43
